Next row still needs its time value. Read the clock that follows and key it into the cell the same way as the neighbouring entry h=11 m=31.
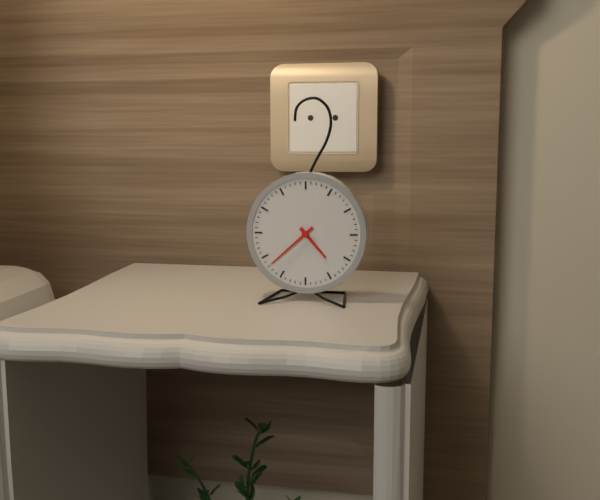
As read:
h=4 m=38
